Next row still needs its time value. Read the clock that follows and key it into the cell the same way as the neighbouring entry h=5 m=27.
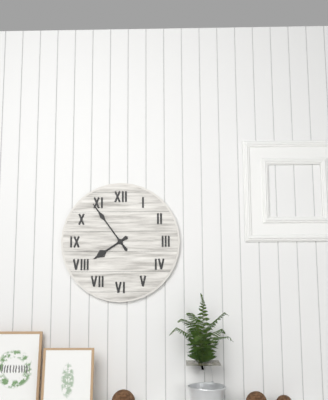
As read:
h=7 m=54
